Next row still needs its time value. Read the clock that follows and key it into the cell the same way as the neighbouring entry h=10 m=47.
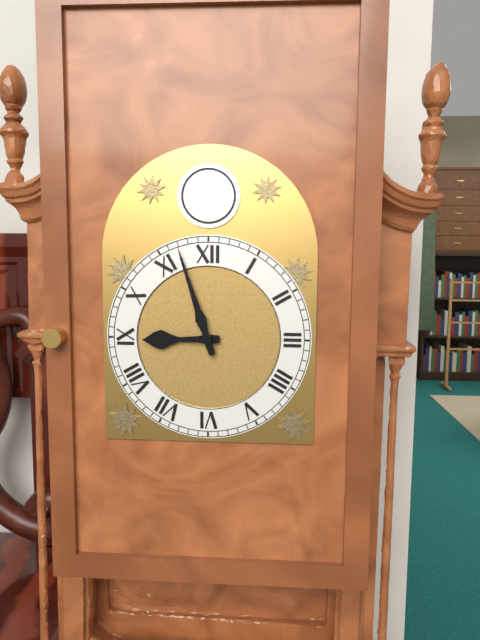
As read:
h=8 m=57
